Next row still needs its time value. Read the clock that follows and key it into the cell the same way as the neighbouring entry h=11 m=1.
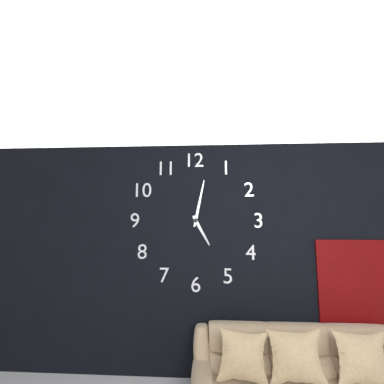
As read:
h=5 m=2
